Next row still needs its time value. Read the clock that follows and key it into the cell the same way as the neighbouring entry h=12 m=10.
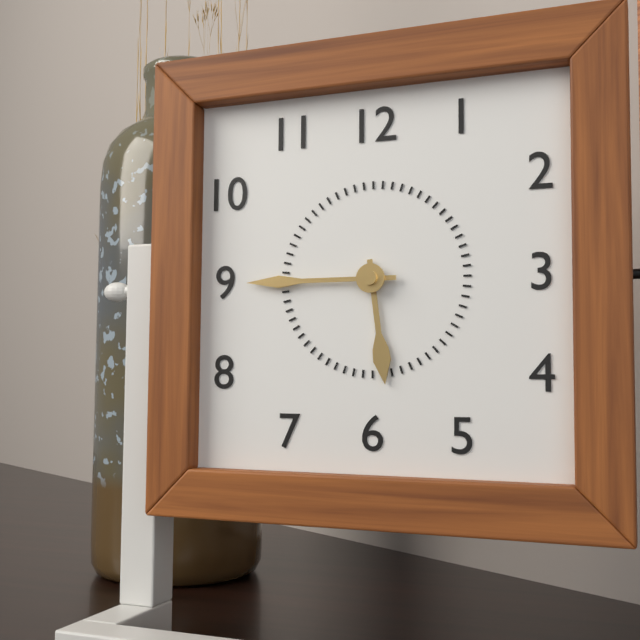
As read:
h=5 m=45
